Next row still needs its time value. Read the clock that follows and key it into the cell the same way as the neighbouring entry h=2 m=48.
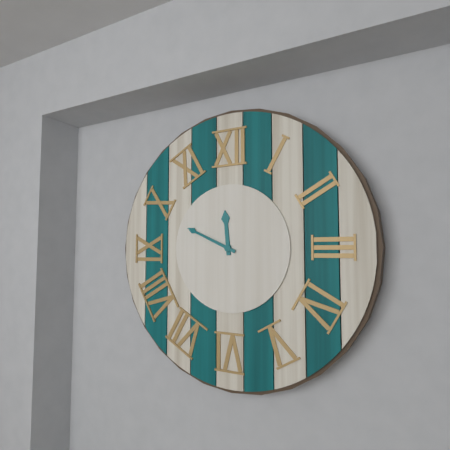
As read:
h=11 m=49
